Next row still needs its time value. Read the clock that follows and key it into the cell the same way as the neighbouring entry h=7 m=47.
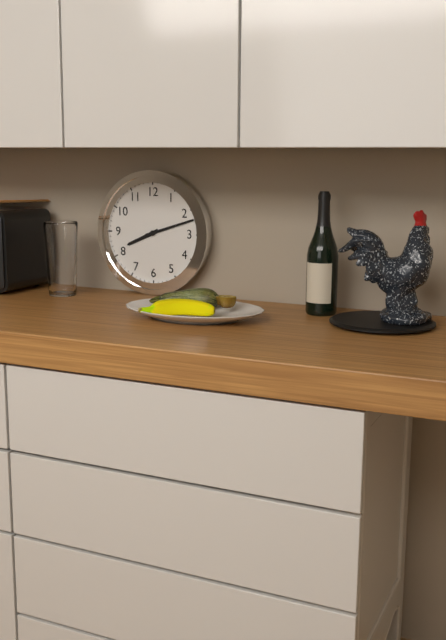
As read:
h=8 m=12
